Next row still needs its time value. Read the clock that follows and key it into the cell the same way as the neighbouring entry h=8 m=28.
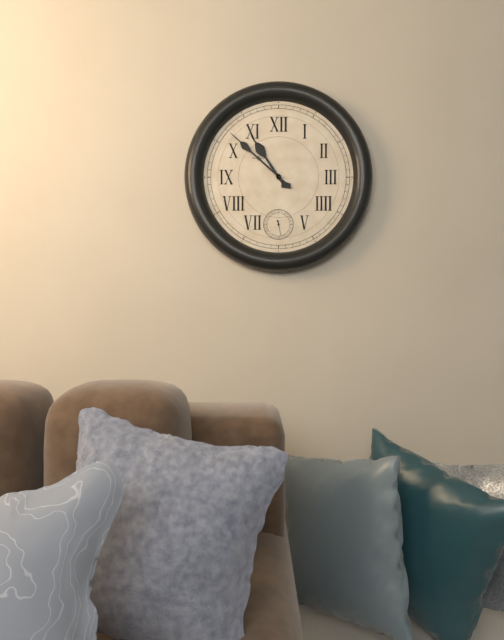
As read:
h=10 m=52
